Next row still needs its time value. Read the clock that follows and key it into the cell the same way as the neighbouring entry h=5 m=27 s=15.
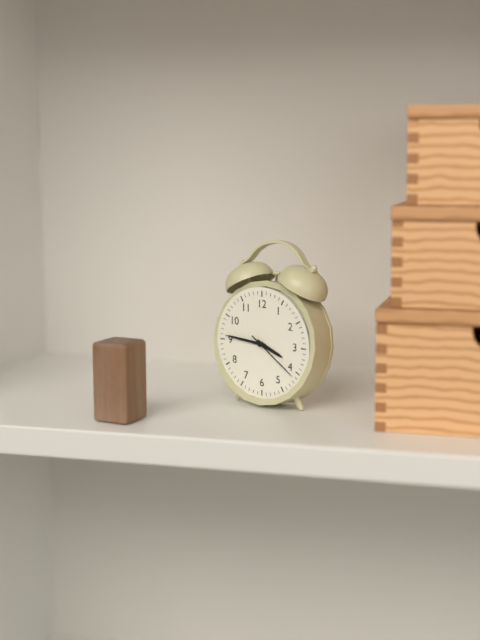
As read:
h=3 m=46 s=21
